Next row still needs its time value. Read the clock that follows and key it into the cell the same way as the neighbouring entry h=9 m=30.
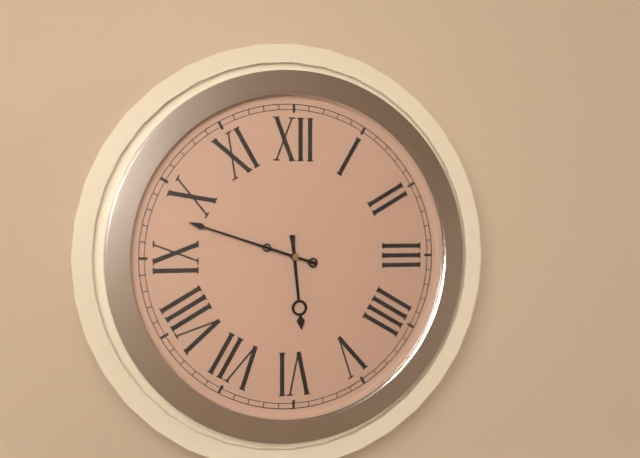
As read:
h=5 m=48
